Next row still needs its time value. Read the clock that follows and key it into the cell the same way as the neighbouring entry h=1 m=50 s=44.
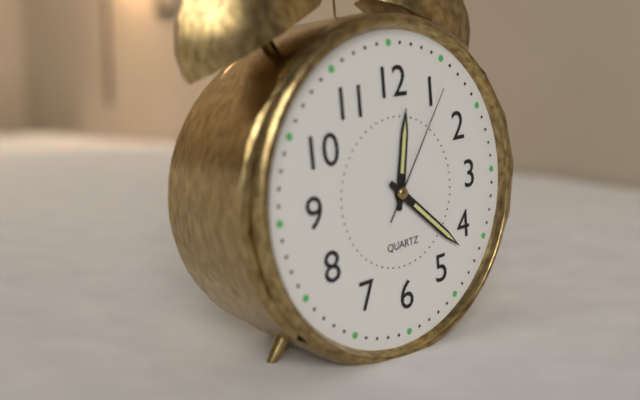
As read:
h=12 m=22 s=6
